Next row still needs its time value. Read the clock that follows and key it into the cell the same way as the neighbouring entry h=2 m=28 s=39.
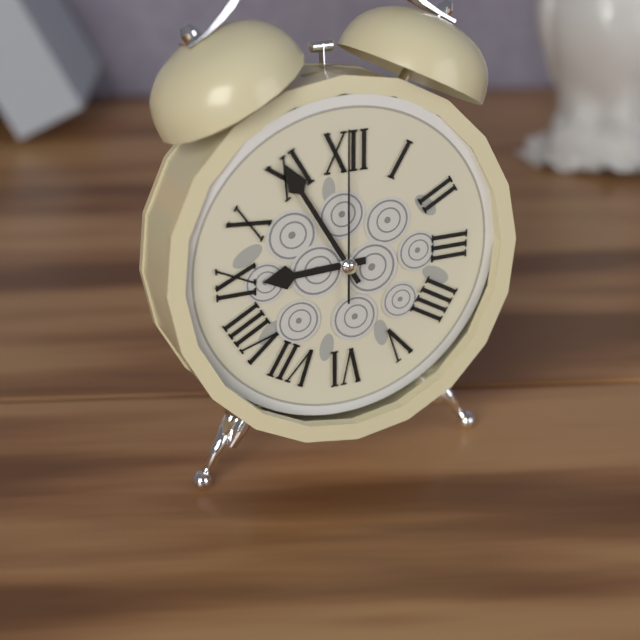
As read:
h=8 m=55 s=0
